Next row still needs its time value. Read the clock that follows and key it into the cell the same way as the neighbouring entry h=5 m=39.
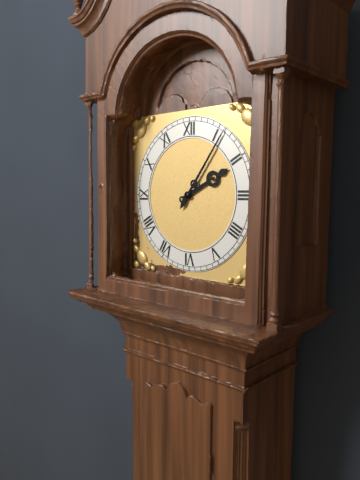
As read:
h=2 m=6
